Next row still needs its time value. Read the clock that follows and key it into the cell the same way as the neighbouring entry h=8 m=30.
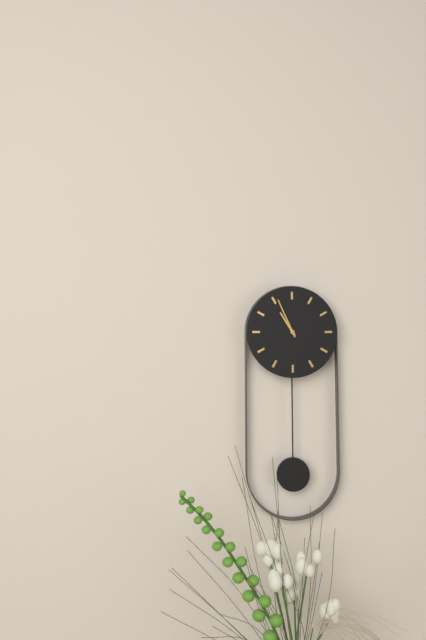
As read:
h=10 m=56
